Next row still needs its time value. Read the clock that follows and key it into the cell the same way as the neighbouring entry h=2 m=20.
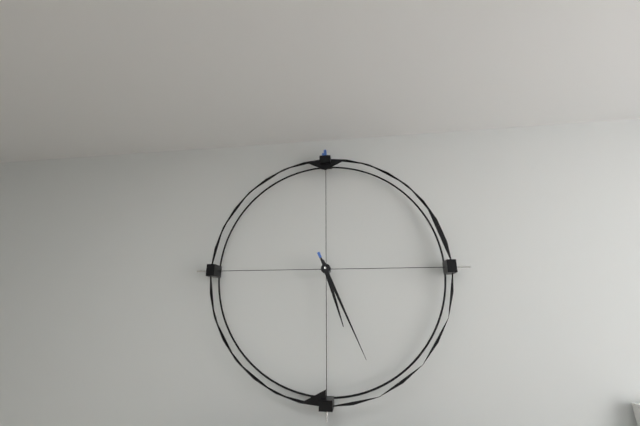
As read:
h=5 m=26
